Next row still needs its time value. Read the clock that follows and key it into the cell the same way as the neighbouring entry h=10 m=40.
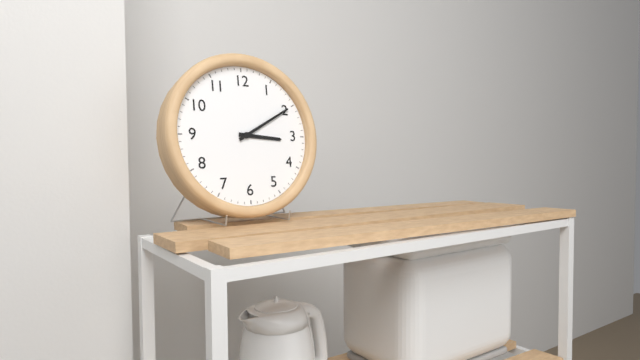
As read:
h=3 m=10
